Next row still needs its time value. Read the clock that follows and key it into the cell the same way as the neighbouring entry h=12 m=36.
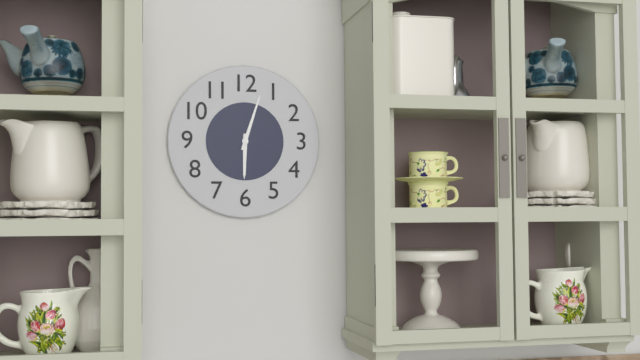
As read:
h=6 m=3
